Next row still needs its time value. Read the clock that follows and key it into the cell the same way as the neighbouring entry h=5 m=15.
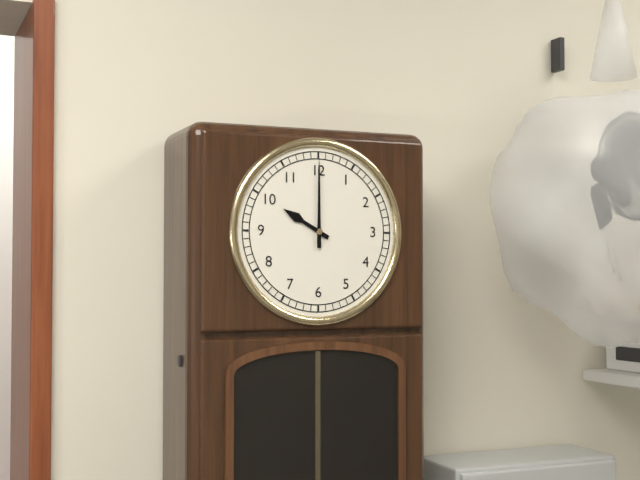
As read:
h=10 m=0
